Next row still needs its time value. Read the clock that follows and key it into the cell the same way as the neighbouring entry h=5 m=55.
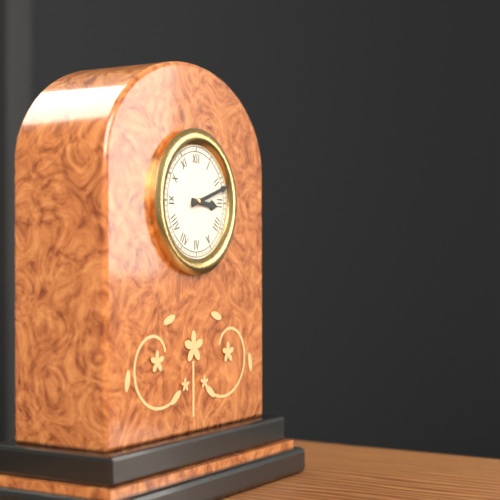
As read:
h=3 m=12
